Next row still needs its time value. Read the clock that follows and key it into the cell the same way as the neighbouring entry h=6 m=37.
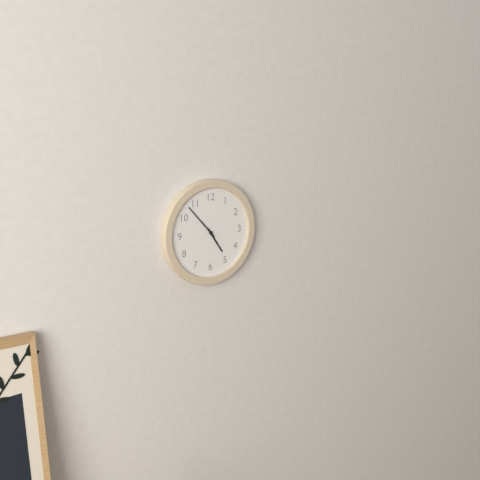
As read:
h=4 m=53
